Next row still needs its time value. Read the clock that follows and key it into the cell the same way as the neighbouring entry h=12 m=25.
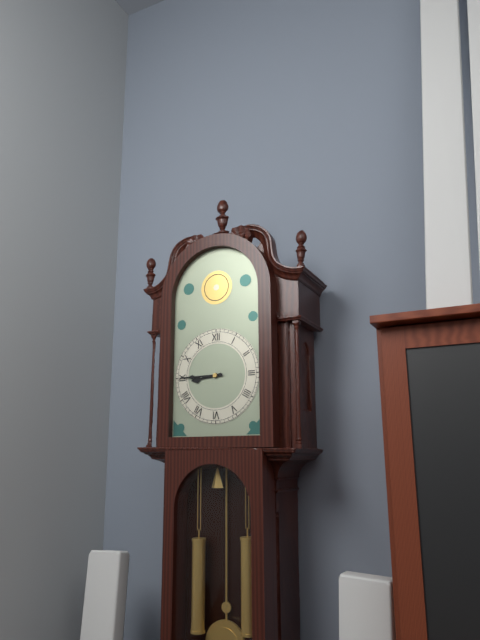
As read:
h=8 m=45
